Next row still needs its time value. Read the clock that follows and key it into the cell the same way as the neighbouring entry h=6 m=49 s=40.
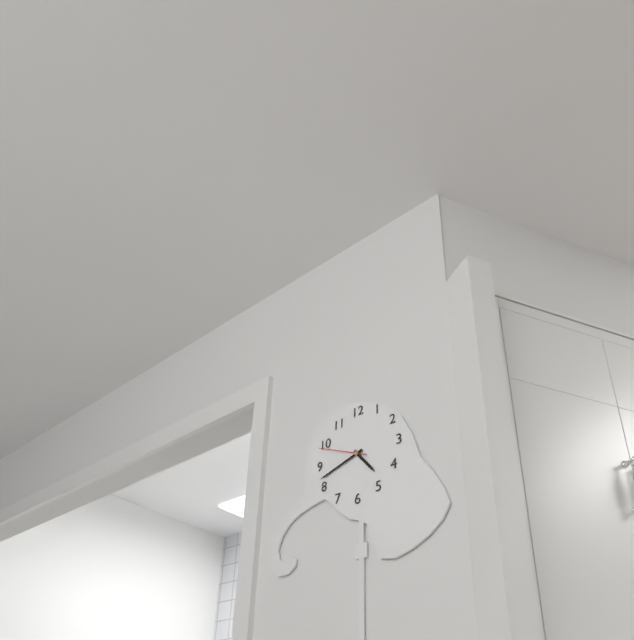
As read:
h=4 m=42 s=49
